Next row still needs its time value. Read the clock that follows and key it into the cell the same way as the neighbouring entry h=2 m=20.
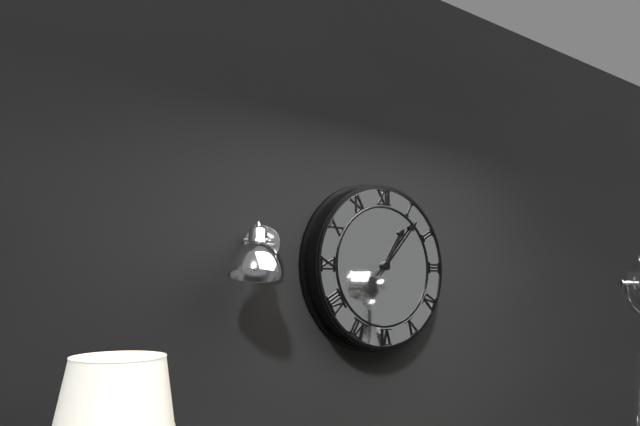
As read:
h=1 m=7
